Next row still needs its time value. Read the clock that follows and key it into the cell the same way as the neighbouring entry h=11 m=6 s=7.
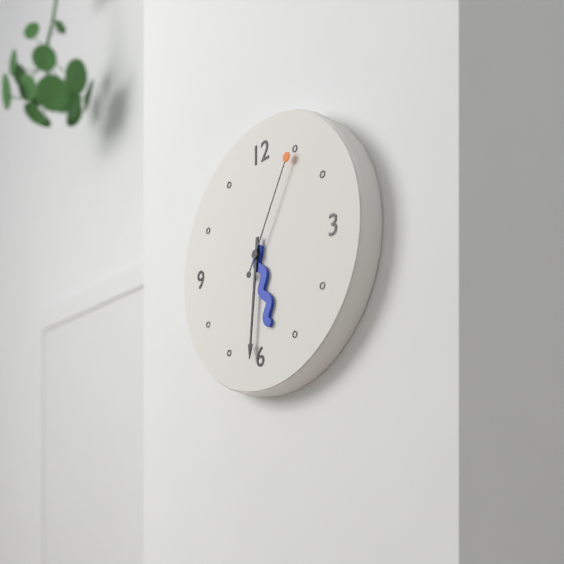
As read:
h=5 m=31 s=5
